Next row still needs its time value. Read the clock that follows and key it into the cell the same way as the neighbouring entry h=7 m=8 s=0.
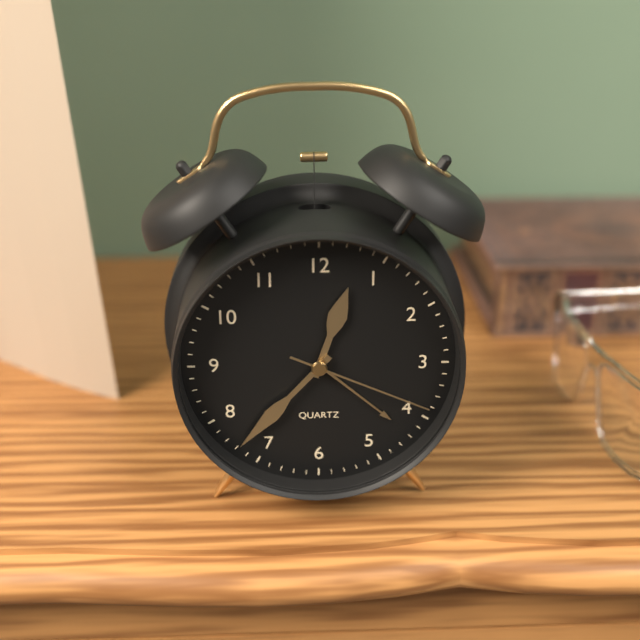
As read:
h=12 m=37 s=19
